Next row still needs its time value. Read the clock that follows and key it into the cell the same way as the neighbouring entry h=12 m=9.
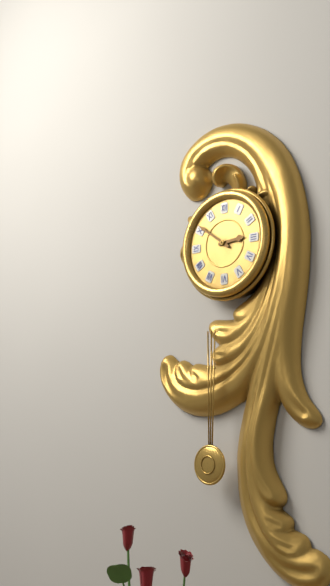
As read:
h=2 m=51
